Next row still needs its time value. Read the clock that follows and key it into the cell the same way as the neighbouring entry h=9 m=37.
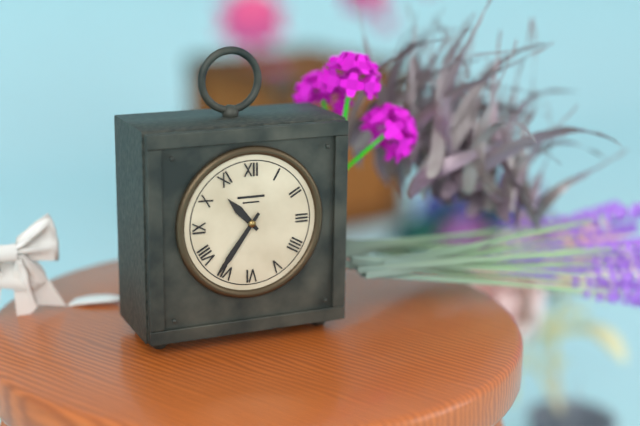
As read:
h=10 m=36
